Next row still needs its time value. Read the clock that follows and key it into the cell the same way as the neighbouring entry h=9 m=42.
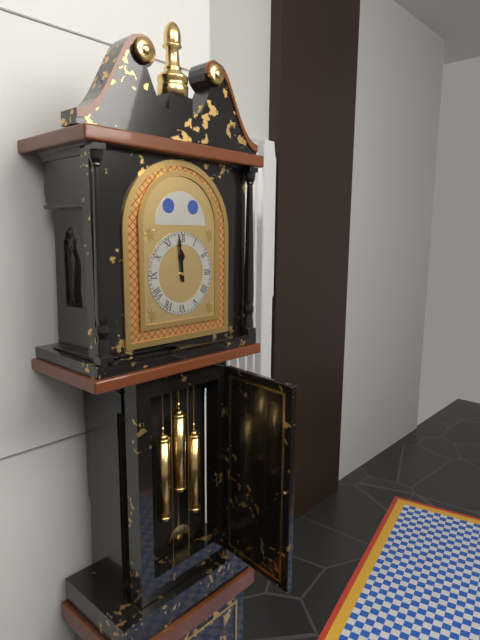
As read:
h=11 m=59
